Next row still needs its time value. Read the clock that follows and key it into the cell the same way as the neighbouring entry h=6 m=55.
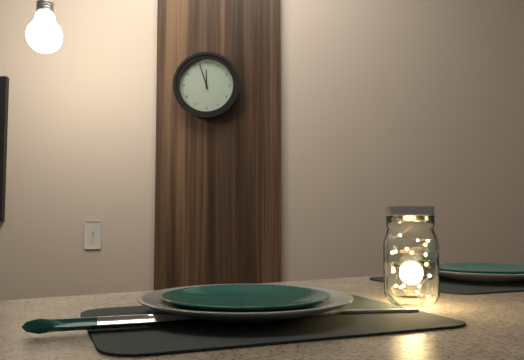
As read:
h=11 m=57
